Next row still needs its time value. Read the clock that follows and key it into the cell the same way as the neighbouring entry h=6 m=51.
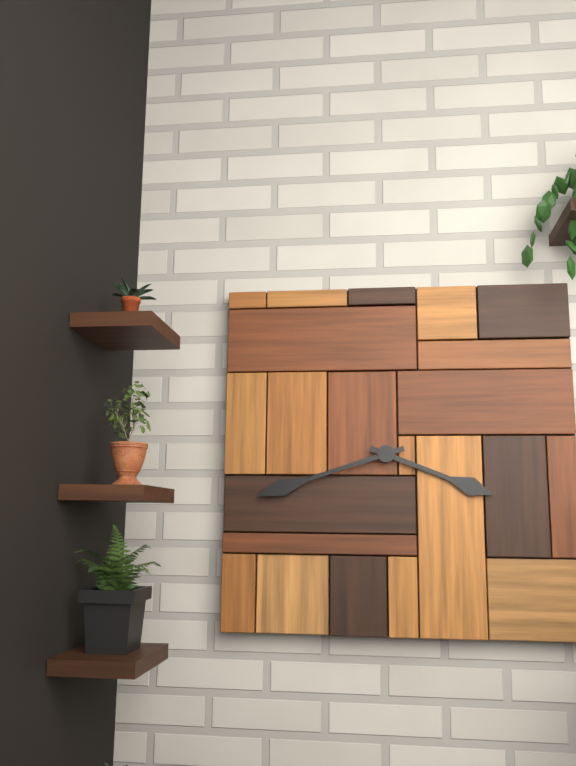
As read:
h=3 m=42
